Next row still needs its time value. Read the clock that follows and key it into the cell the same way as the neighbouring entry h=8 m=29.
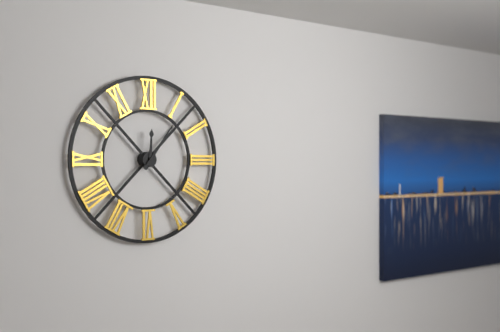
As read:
h=12 m=6
